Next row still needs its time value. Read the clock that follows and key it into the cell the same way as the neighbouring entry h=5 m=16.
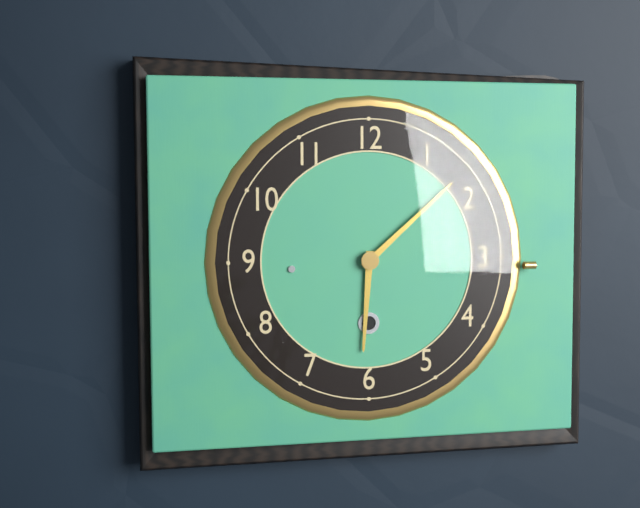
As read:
h=6 m=8
